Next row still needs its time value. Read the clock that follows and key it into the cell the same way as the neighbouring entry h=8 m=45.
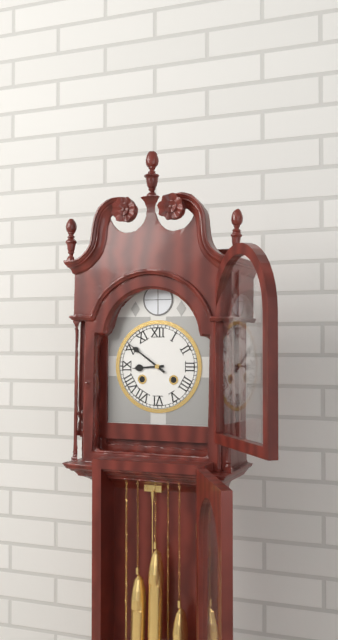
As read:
h=8 m=51
